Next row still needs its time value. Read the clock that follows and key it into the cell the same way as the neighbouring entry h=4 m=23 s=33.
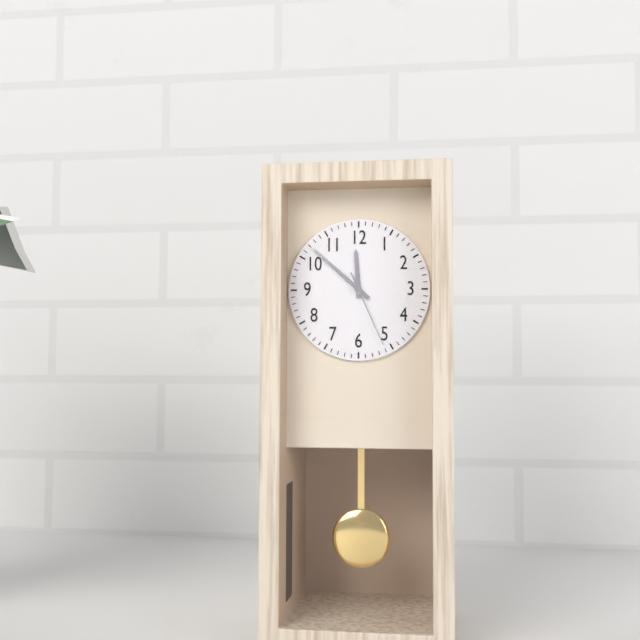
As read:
h=11 m=52 s=26
